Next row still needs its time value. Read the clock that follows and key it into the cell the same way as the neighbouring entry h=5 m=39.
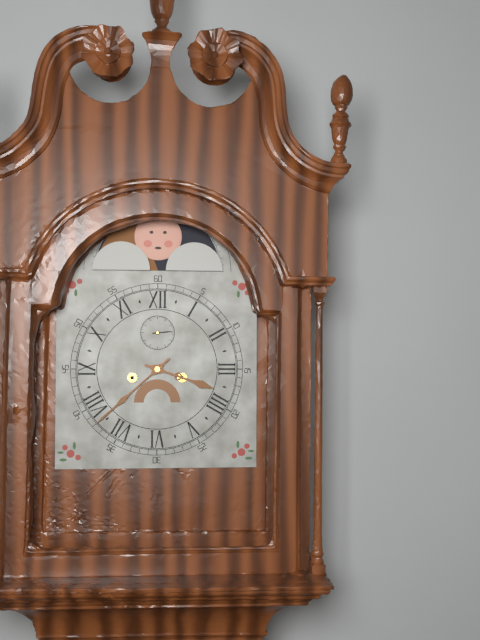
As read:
h=3 m=38
